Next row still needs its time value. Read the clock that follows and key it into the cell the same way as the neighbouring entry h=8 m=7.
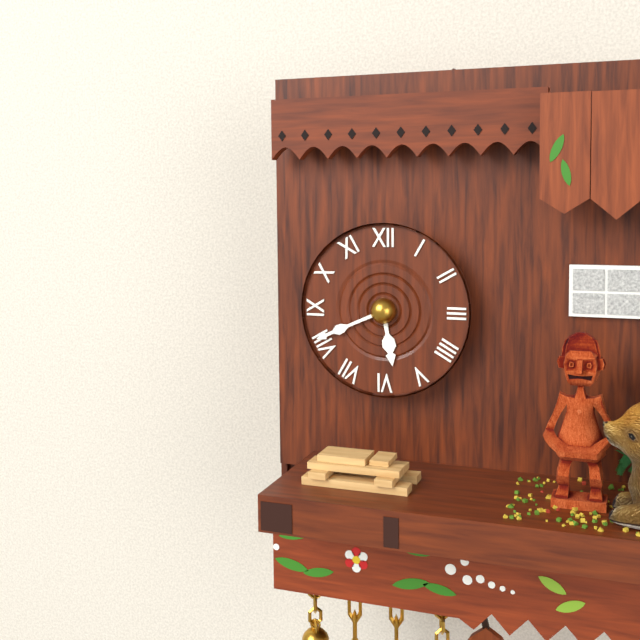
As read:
h=5 m=41
